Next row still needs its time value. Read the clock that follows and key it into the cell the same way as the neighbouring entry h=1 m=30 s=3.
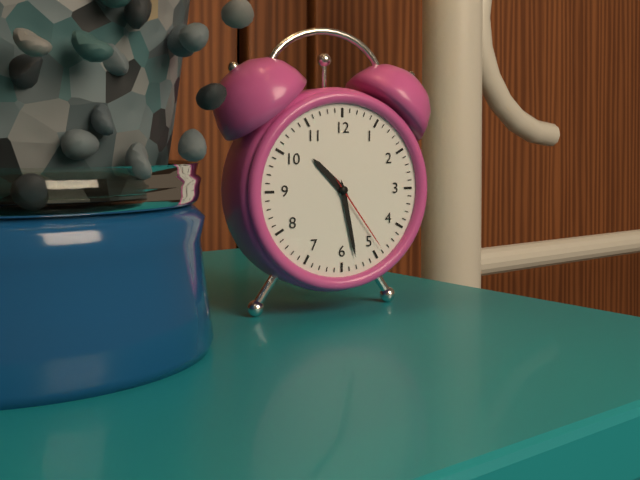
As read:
h=10 m=28 s=24
